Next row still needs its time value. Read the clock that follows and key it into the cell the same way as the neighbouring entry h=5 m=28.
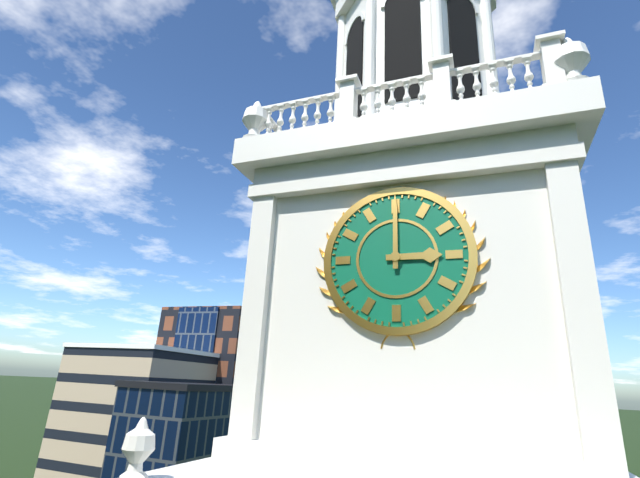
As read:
h=3 m=0
